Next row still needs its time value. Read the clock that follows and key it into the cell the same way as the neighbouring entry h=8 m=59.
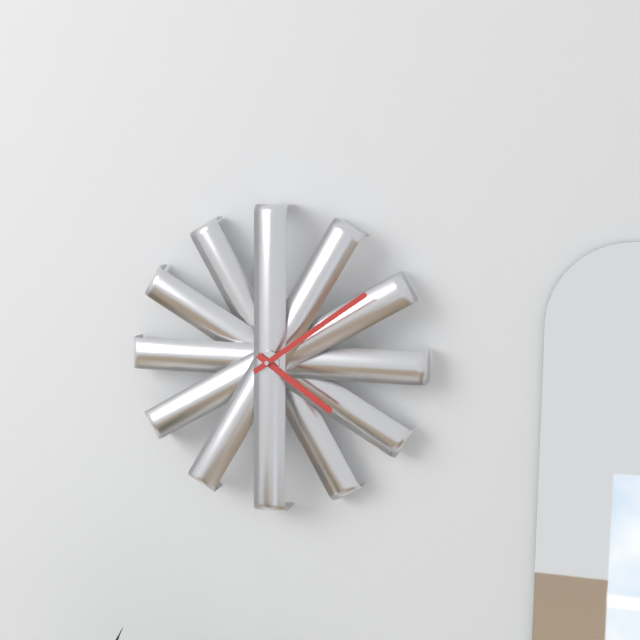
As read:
h=4 m=9
